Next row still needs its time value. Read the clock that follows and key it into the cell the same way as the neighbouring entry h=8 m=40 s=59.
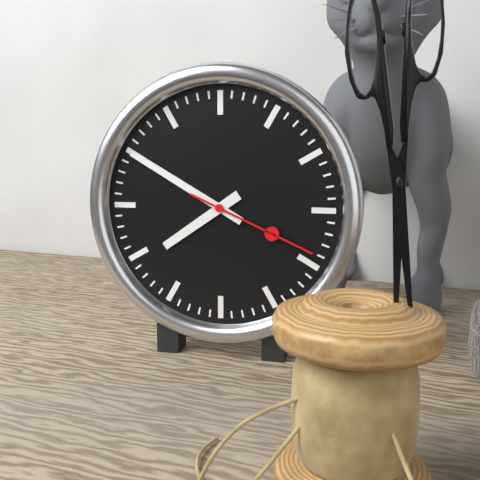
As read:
h=7 m=50 s=19
